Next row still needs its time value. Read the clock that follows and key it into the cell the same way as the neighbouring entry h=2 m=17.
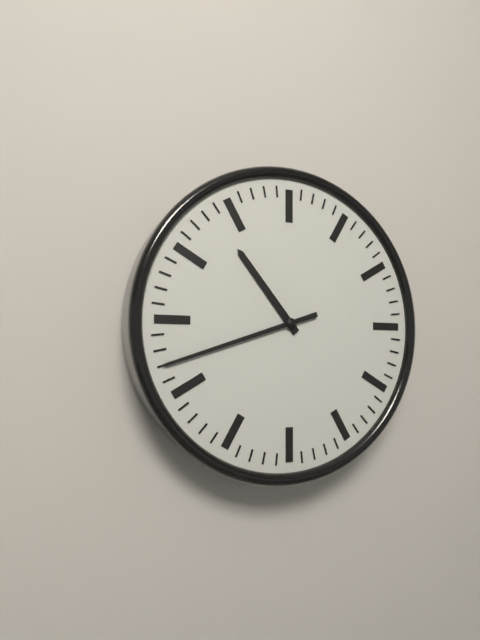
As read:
h=10 m=42
